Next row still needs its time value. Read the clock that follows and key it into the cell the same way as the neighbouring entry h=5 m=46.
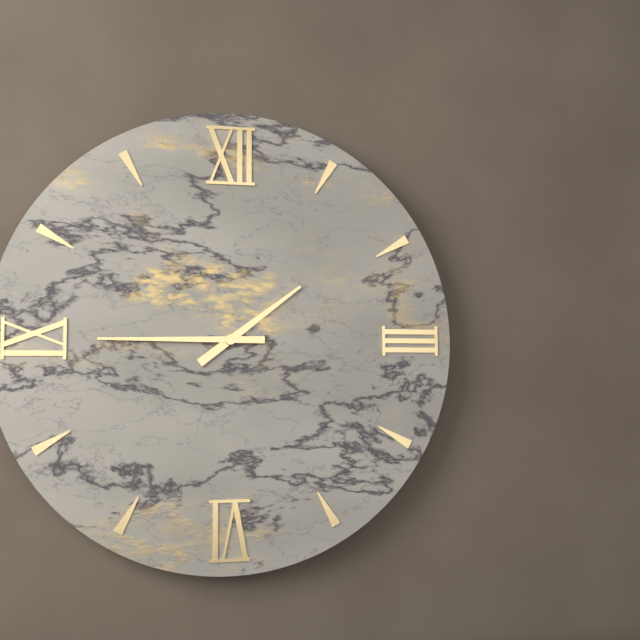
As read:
h=1 m=45
